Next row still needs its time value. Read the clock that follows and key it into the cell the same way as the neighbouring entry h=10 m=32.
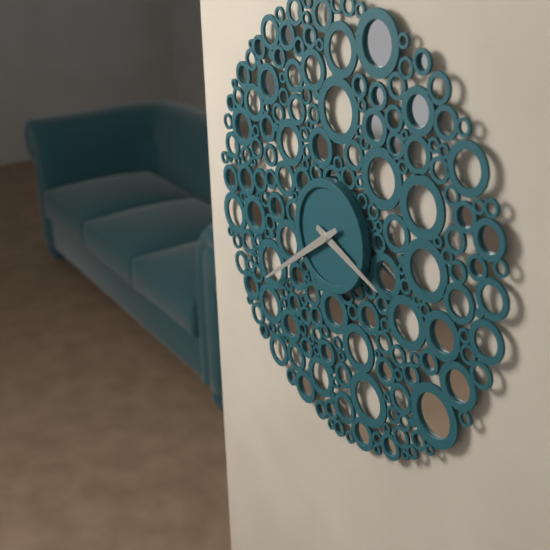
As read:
h=3 m=39
